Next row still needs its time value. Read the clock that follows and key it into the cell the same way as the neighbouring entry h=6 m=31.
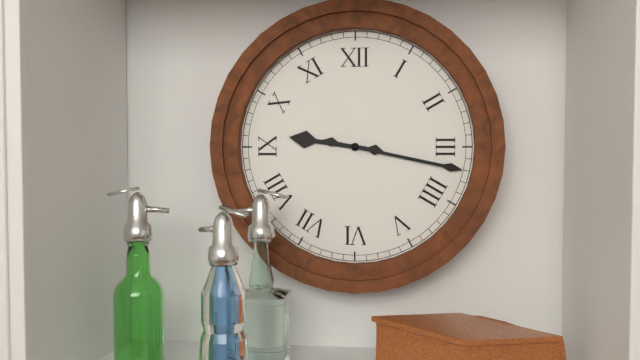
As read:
h=9 m=17
